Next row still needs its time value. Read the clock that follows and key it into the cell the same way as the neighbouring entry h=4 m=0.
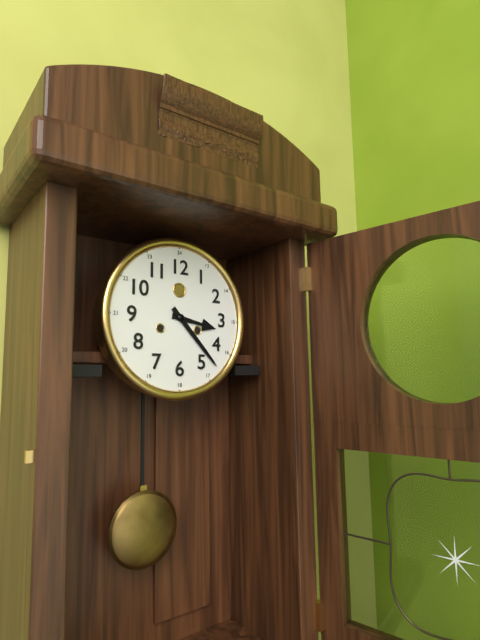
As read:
h=3 m=23
